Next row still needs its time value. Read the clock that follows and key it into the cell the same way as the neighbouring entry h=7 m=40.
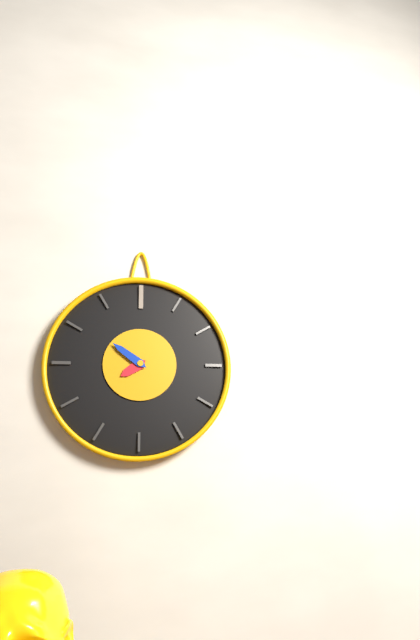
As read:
h=7 m=51
